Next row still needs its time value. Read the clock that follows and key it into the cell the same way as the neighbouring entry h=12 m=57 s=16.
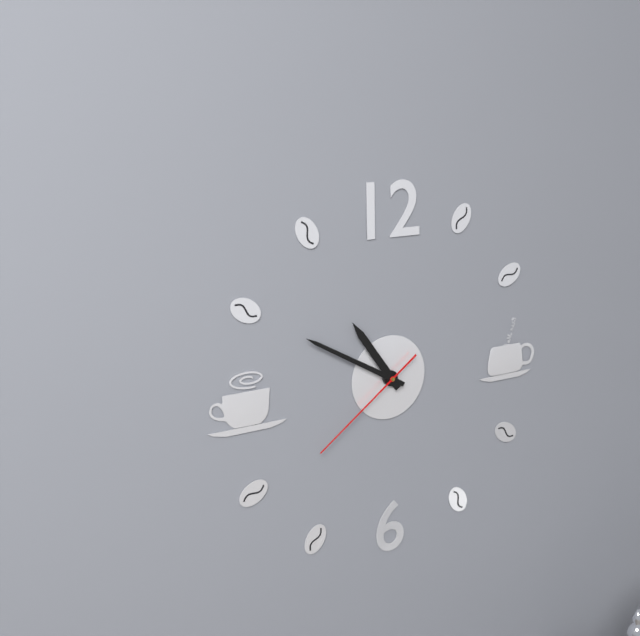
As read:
h=10 m=50 s=39
